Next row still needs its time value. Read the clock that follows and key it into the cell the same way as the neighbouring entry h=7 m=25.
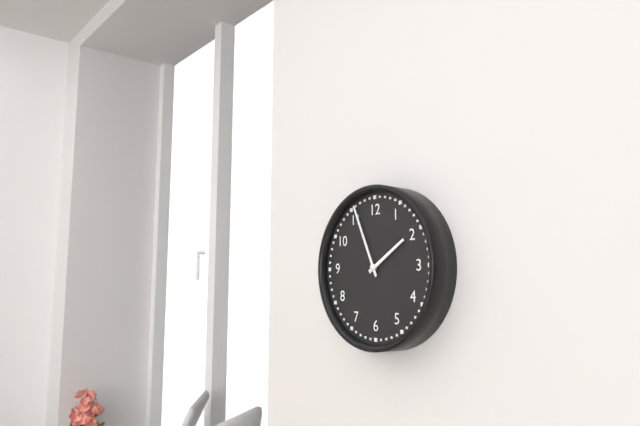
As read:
h=1 m=56
